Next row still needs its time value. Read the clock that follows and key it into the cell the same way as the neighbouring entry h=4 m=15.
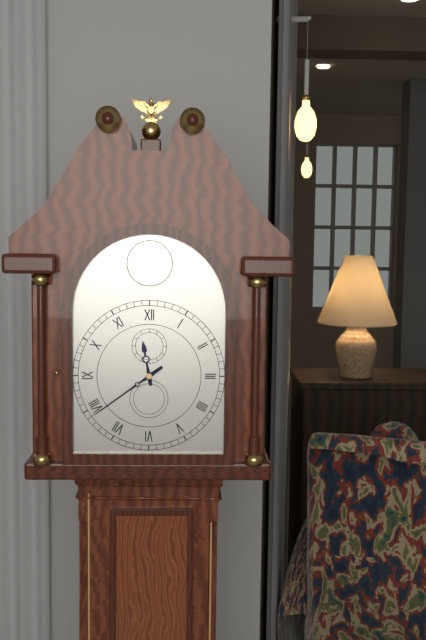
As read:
h=11 m=39
